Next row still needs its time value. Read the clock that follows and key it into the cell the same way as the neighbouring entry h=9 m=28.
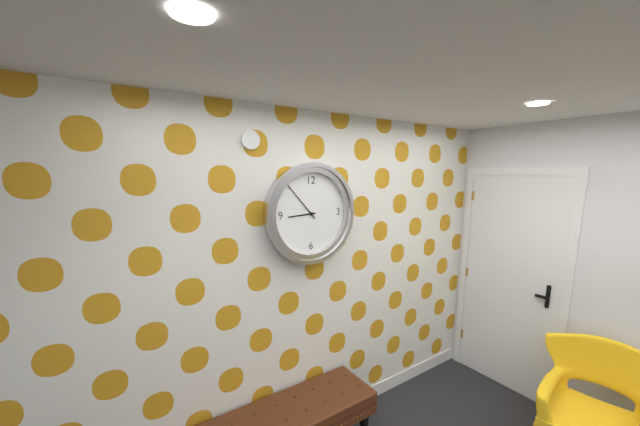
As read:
h=8 m=53
